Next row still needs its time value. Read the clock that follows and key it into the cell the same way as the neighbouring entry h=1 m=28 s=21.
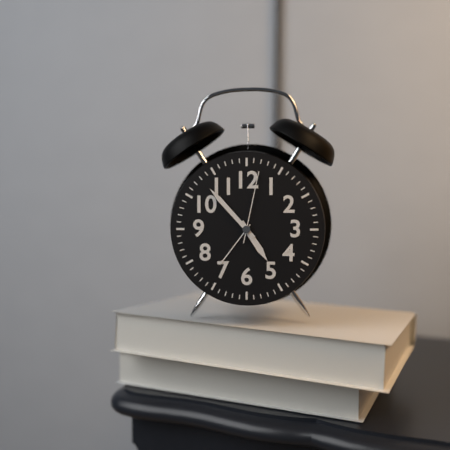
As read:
h=4 m=53 s=2
